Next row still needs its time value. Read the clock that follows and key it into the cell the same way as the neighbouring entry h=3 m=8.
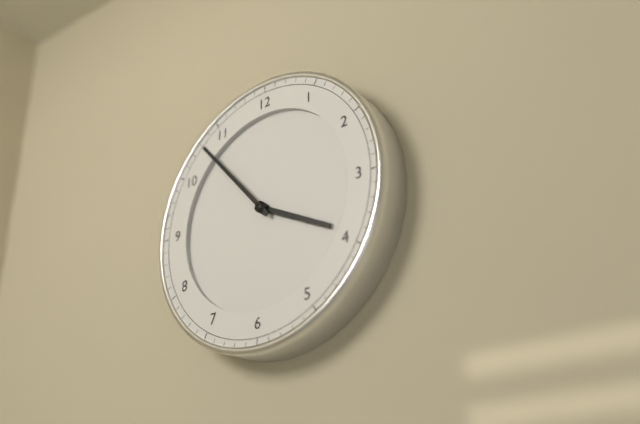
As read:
h=3 m=53
